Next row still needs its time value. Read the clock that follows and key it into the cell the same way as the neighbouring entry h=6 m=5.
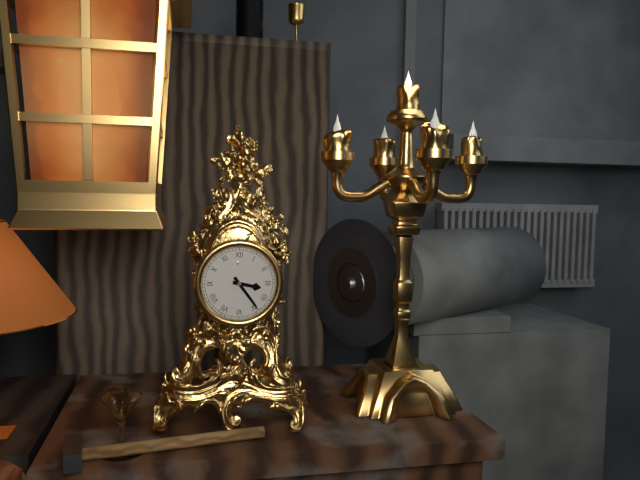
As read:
h=3 m=24
